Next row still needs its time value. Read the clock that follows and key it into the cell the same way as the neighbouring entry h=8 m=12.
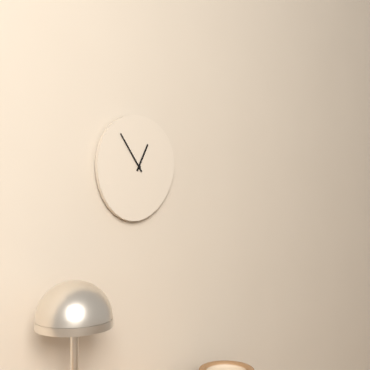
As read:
h=12 m=54
